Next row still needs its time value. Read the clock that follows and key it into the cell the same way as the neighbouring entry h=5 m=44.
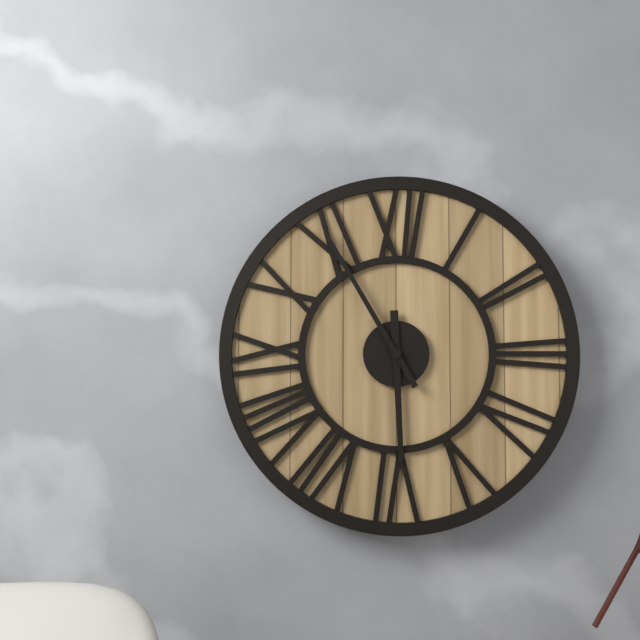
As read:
h=5 m=55
